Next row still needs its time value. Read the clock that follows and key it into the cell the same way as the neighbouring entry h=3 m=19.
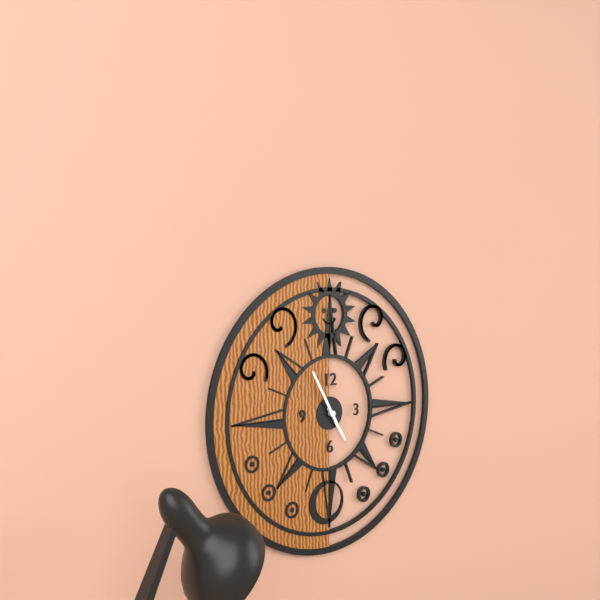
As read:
h=4 m=55
